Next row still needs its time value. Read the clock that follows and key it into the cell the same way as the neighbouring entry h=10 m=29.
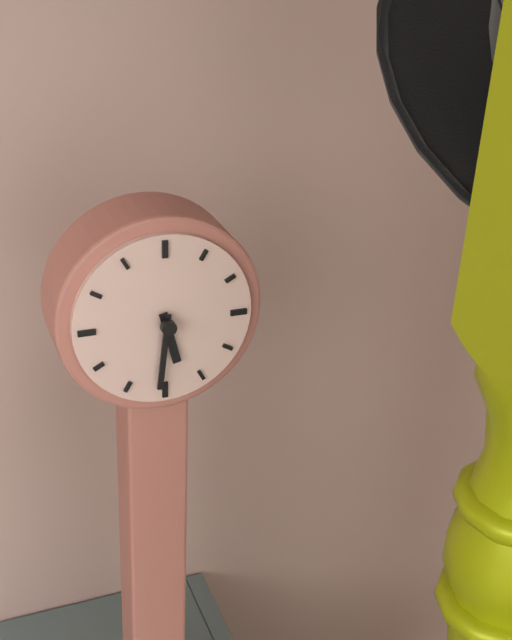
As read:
h=5 m=31
